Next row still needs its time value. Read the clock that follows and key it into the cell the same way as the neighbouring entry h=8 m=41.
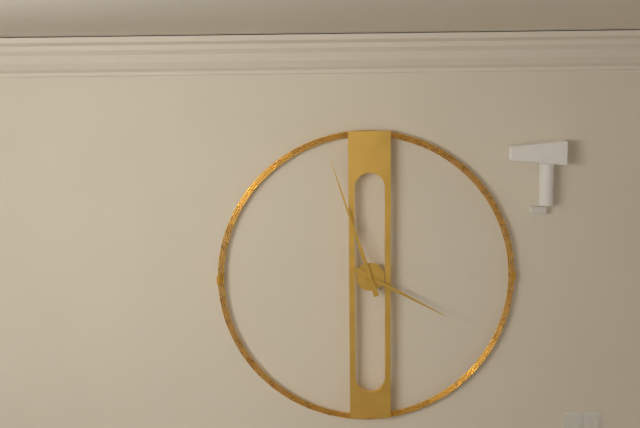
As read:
h=3 m=57
